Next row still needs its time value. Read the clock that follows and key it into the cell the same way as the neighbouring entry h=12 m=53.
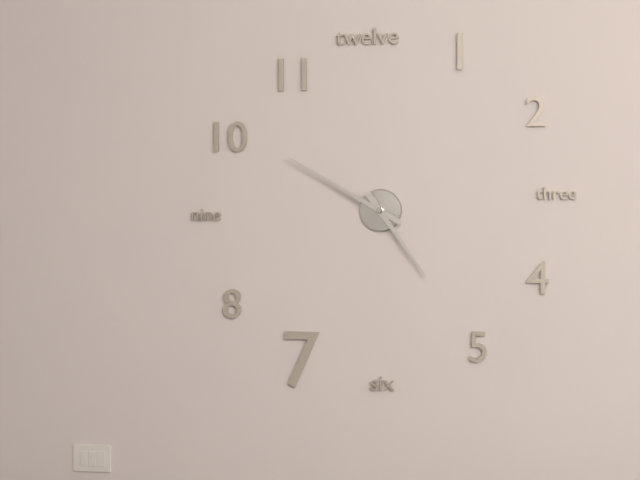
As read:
h=4 m=50
